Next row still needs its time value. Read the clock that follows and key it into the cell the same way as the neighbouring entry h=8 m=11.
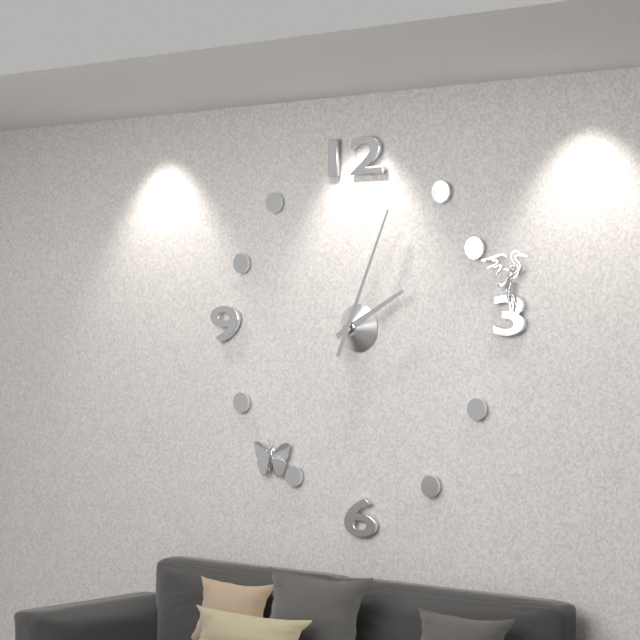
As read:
h=2 m=4
